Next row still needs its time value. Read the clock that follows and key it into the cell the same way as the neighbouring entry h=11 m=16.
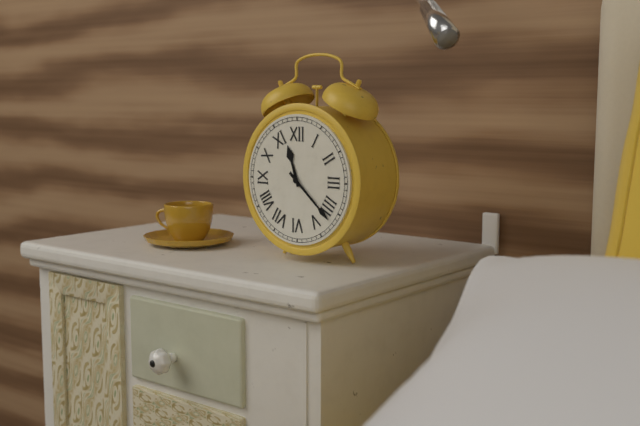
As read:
h=11 m=22
